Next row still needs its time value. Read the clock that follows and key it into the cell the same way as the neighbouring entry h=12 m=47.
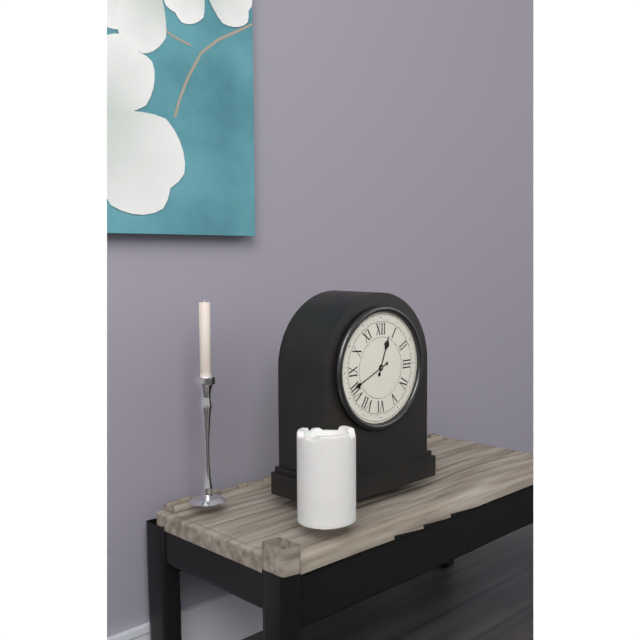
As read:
h=12 m=41
